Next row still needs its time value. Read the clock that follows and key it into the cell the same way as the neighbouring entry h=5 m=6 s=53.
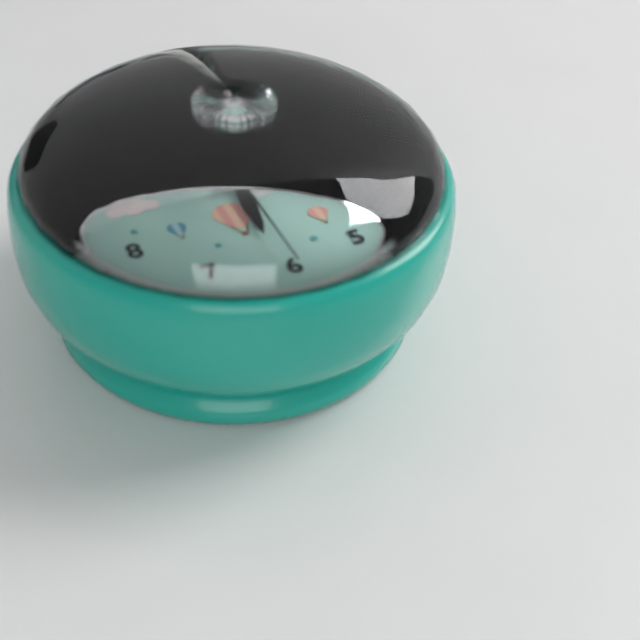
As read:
h=6 m=10 s=30
